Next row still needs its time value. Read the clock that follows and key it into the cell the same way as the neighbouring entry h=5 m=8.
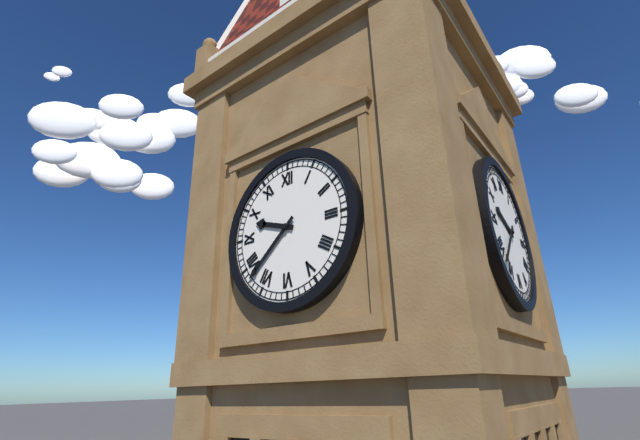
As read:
h=9 m=38
